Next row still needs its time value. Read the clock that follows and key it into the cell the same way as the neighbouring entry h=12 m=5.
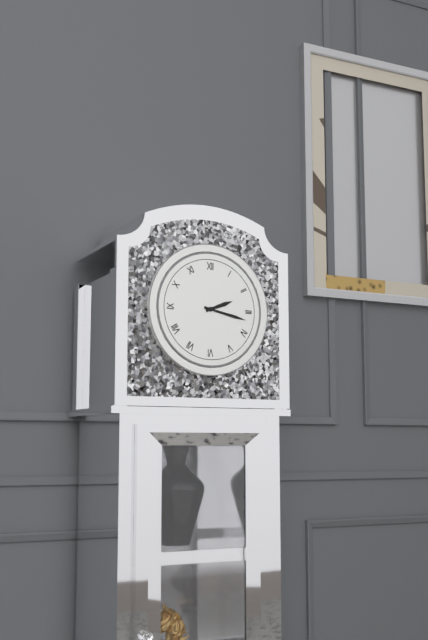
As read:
h=2 m=17
